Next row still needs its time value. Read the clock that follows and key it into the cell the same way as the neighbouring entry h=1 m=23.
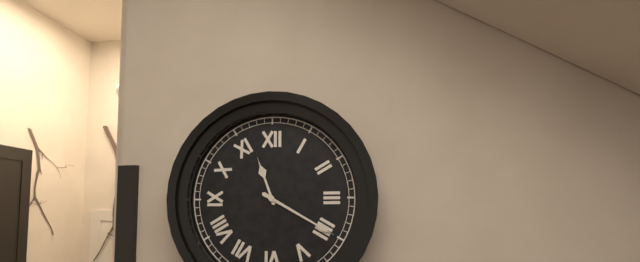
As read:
h=11 m=20
